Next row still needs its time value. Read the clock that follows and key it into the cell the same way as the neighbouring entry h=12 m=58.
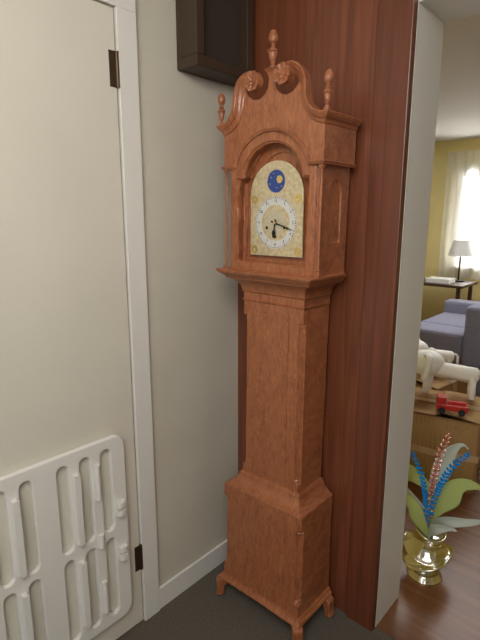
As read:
h=6 m=18
